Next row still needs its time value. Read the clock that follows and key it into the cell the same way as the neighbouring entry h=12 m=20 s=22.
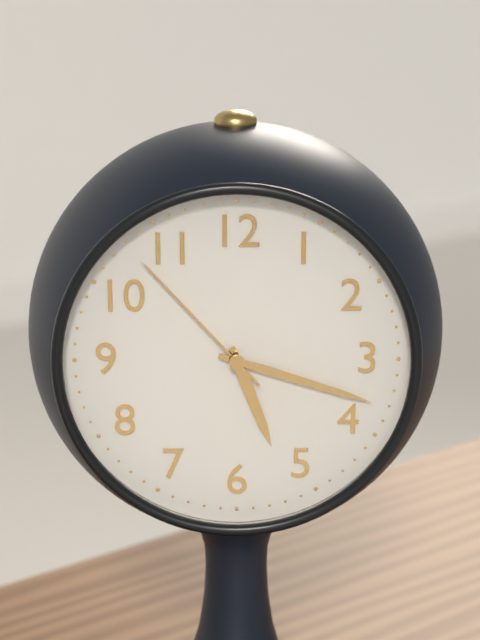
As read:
h=5 m=18 s=53
